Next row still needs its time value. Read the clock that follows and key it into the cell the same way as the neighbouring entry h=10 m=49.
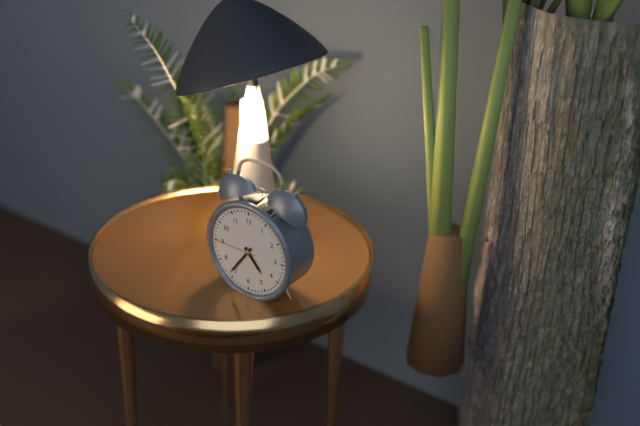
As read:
h=4 m=36
